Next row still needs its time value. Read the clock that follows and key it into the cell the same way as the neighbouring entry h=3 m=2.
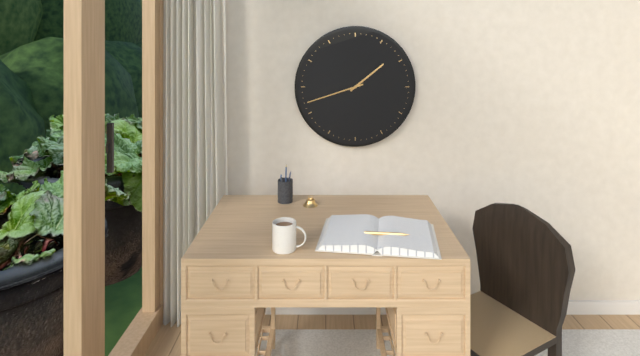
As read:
h=1 m=42
